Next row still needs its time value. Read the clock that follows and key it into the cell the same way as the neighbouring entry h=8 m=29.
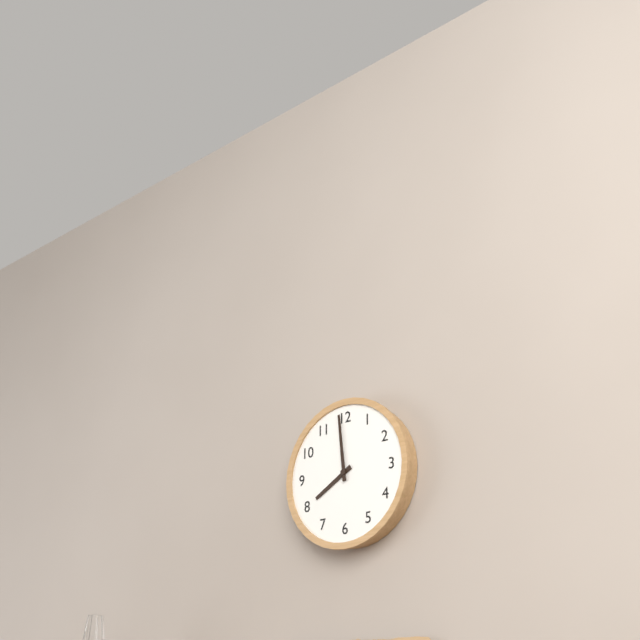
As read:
h=7 m=59
